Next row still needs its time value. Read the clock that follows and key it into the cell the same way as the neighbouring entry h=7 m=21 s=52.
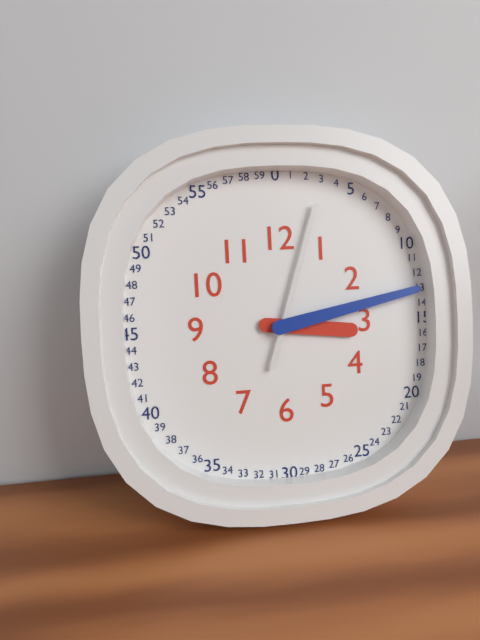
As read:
h=3 m=13 s=3
